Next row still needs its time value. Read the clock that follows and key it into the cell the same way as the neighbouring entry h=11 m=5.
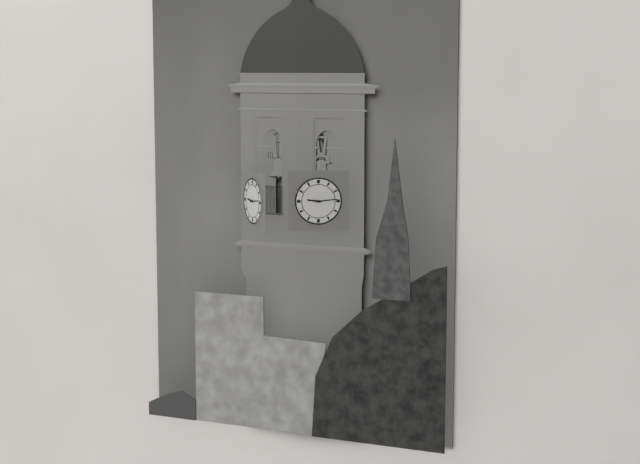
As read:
h=9 m=14
